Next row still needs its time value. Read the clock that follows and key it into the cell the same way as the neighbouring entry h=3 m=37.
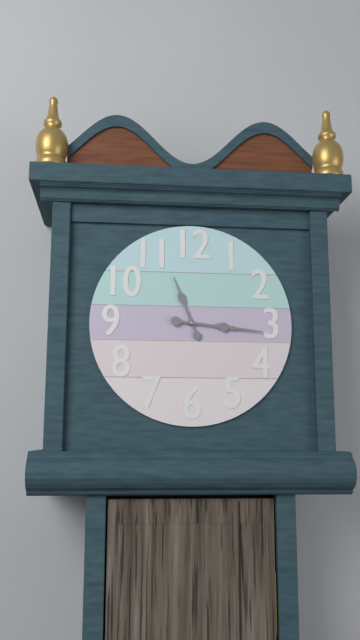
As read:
h=11 m=16
